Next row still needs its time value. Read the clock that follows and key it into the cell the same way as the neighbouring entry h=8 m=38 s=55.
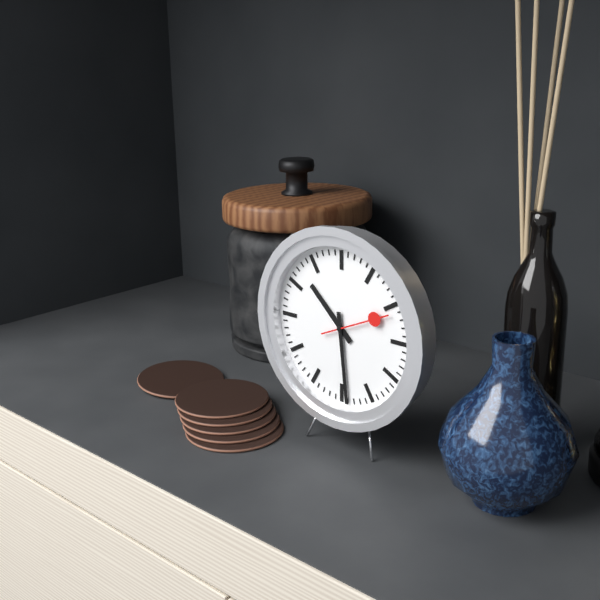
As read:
h=10 m=29 s=11
